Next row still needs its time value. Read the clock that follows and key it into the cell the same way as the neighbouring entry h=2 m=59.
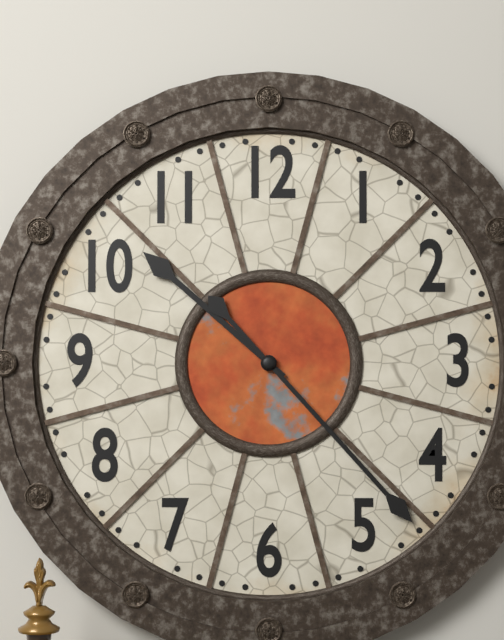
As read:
h=10 m=23
